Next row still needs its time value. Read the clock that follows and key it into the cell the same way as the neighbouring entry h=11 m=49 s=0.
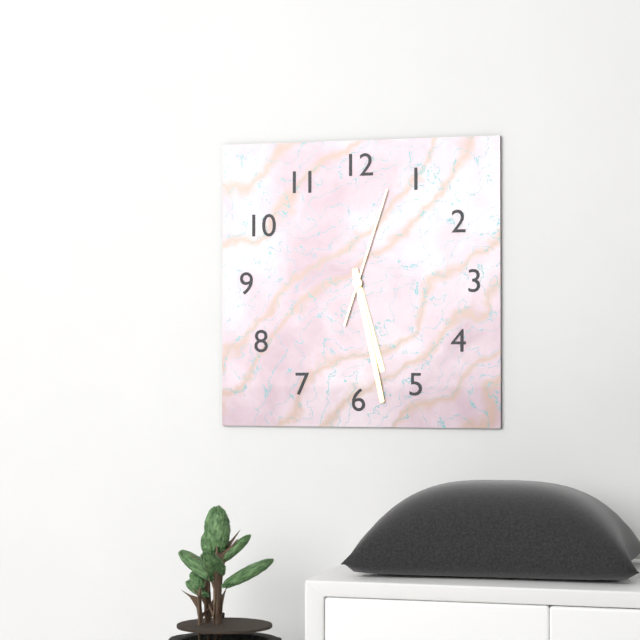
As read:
h=5 m=28 s=3
